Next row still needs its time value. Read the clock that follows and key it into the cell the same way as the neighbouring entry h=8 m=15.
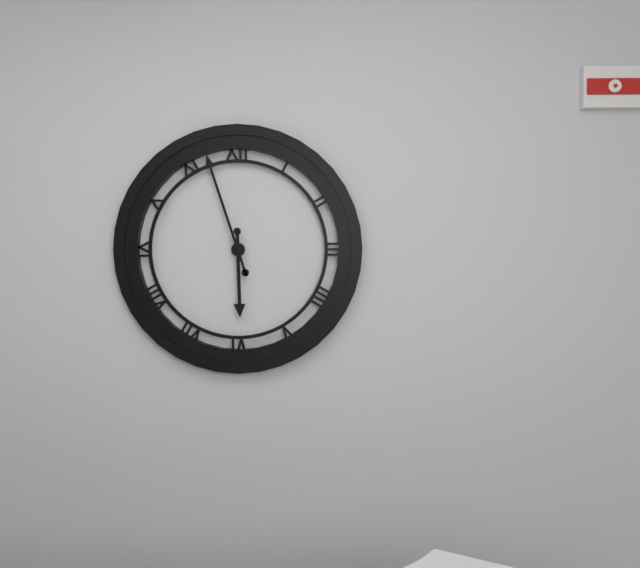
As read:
h=5 m=57
